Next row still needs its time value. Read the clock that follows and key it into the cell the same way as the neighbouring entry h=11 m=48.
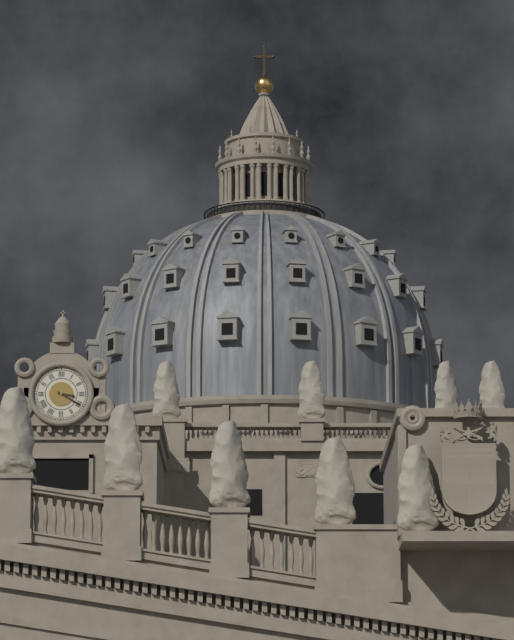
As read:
h=3 m=20
